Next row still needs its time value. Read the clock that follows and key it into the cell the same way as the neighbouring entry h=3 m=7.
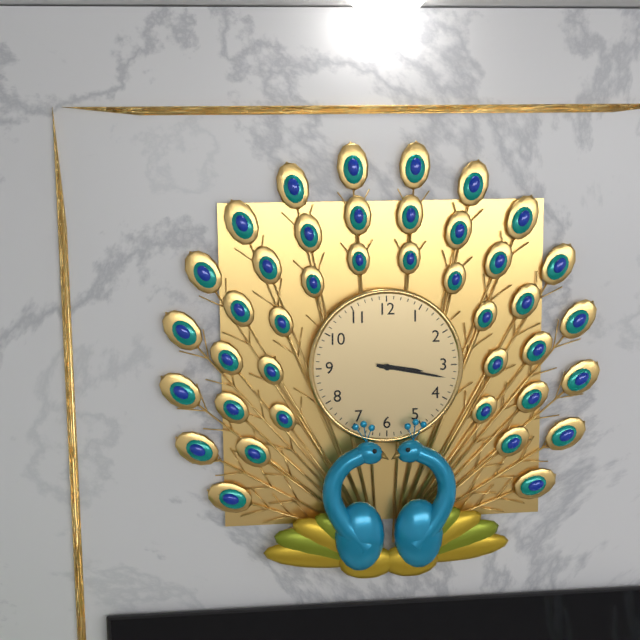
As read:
h=3 m=17
